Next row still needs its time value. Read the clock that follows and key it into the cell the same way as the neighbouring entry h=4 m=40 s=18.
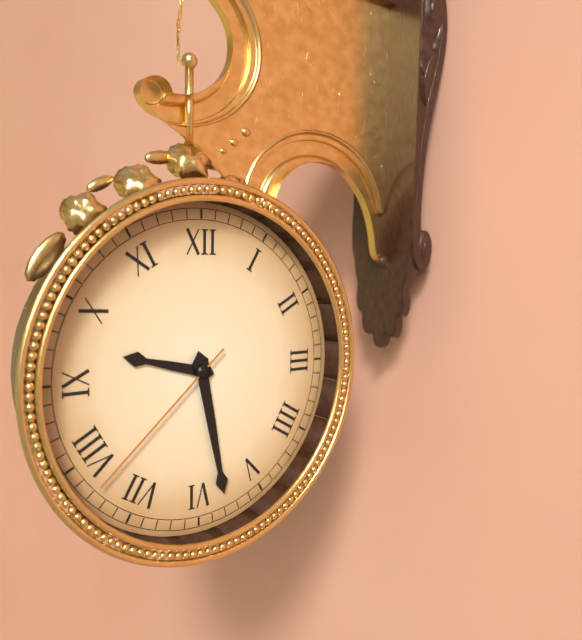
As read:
h=9 m=28 s=38
